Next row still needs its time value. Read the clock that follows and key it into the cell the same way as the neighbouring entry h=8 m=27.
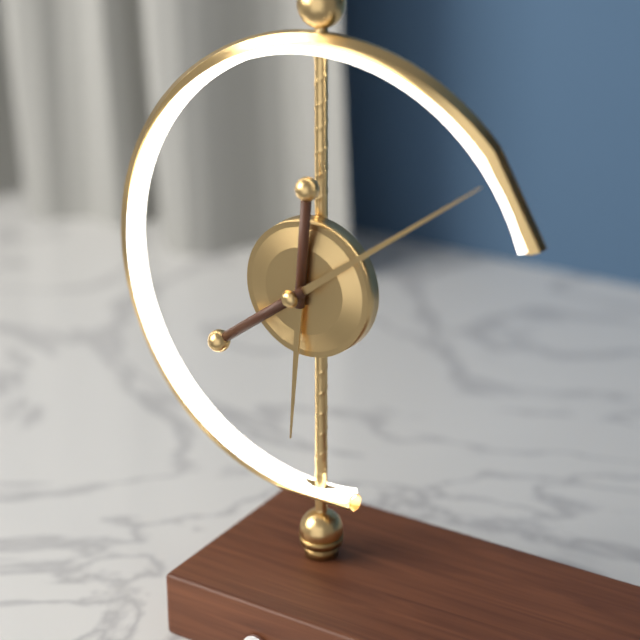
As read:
h=6 m=9
